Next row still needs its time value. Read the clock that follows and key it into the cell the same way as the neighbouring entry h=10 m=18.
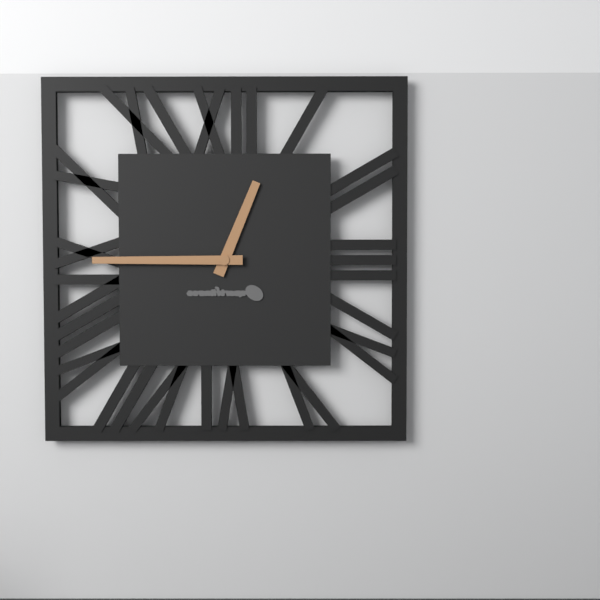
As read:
h=12 m=45
